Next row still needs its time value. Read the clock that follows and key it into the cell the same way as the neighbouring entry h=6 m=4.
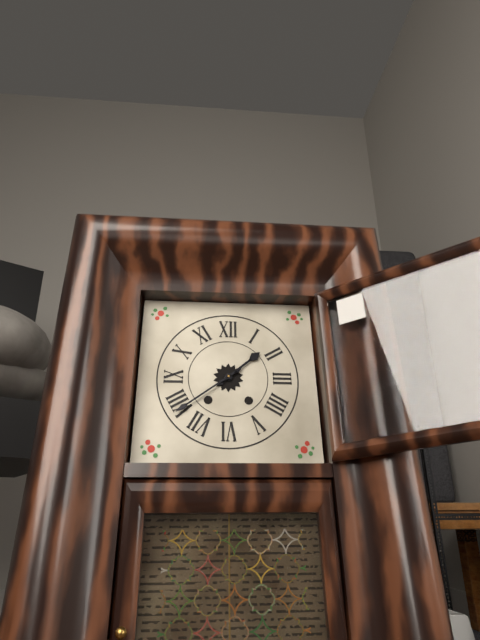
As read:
h=1 m=39
